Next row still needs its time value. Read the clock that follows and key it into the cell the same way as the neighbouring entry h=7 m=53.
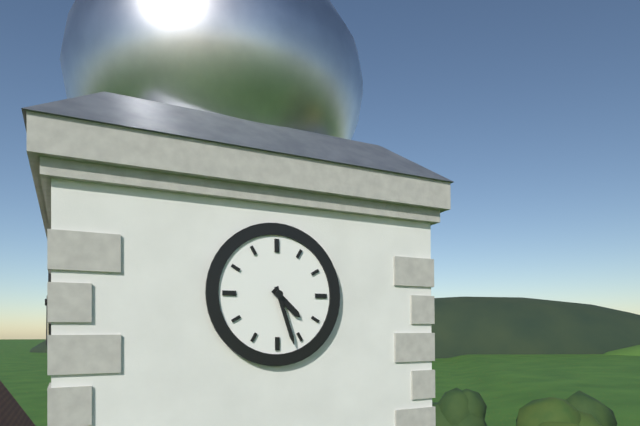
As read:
h=4 m=27
